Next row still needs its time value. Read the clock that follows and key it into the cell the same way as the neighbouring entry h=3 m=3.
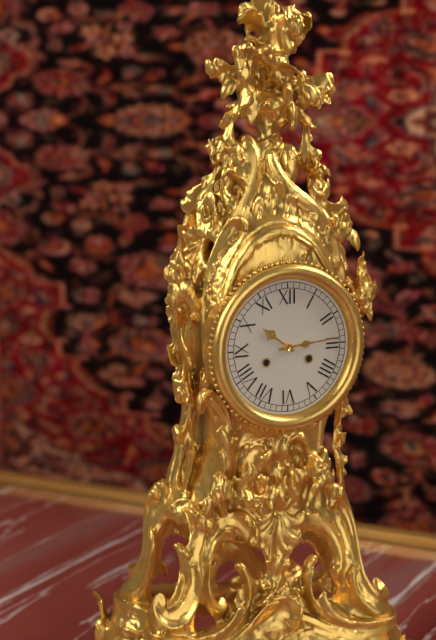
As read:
h=10 m=14
